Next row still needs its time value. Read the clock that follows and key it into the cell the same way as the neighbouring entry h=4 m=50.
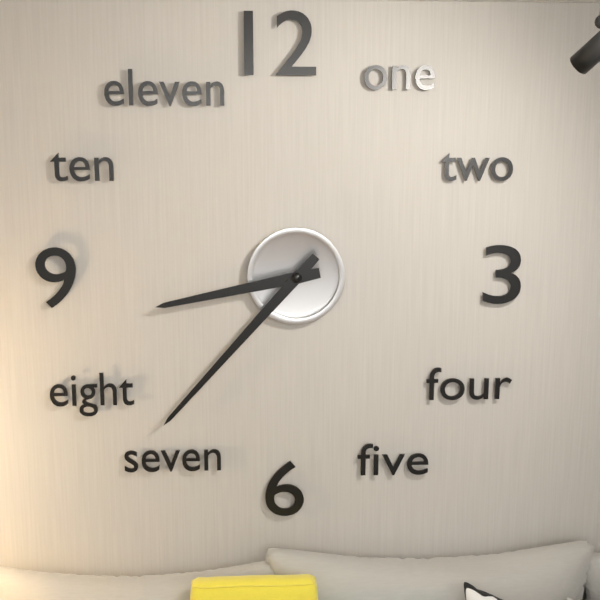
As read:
h=8 m=37
